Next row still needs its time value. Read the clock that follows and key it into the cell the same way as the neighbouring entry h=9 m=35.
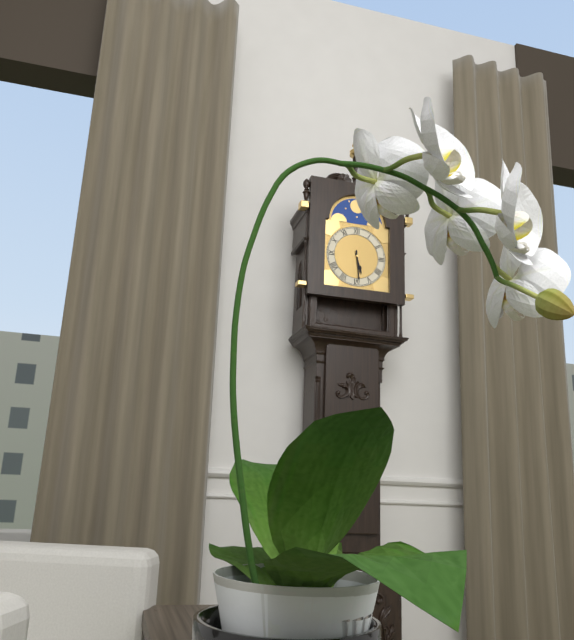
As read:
h=5 m=29
